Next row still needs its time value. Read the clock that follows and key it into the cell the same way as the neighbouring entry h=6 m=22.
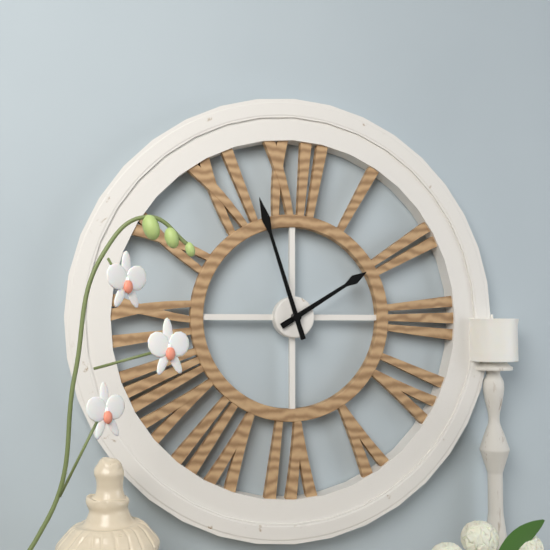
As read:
h=1 m=57
